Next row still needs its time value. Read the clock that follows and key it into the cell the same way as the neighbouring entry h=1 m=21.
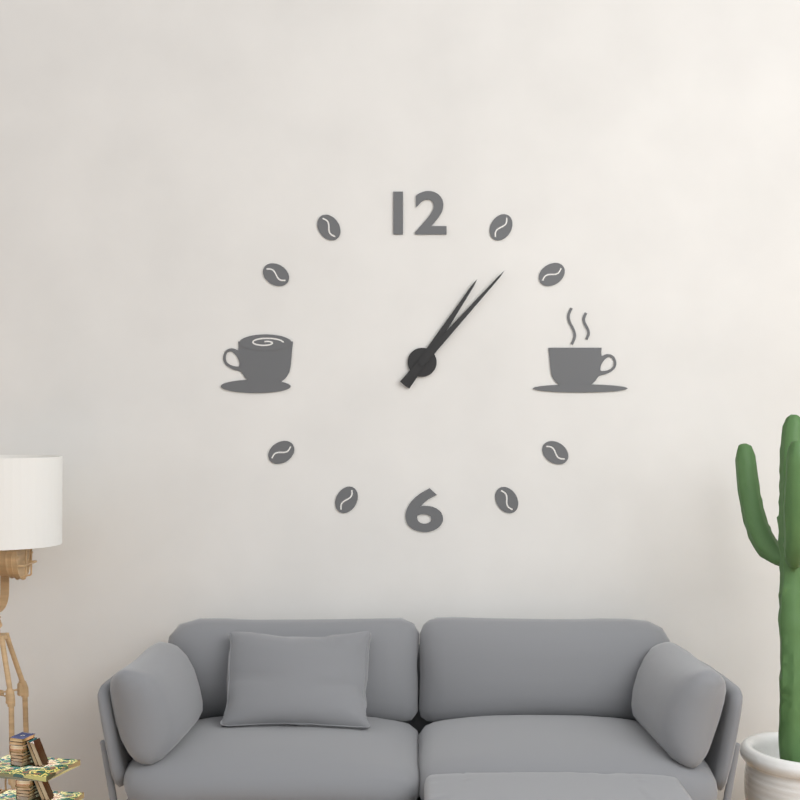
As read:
h=1 m=7
